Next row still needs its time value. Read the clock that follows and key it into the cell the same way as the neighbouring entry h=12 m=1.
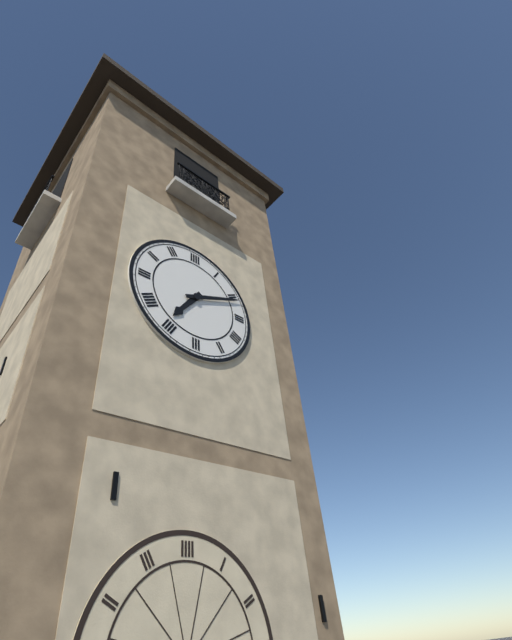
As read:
h=7 m=11
